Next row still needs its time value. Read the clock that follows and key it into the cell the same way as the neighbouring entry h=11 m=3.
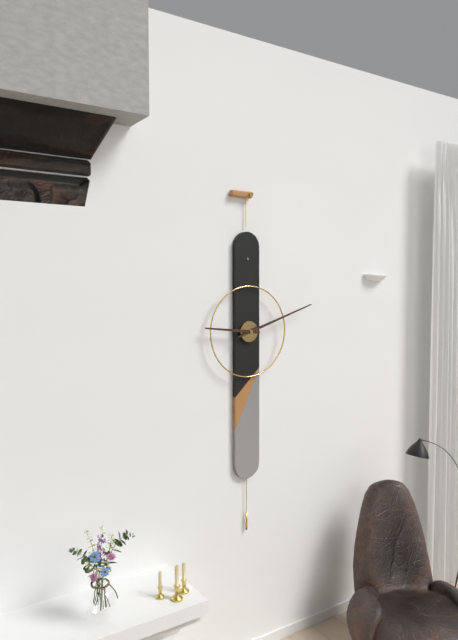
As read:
h=9 m=12
